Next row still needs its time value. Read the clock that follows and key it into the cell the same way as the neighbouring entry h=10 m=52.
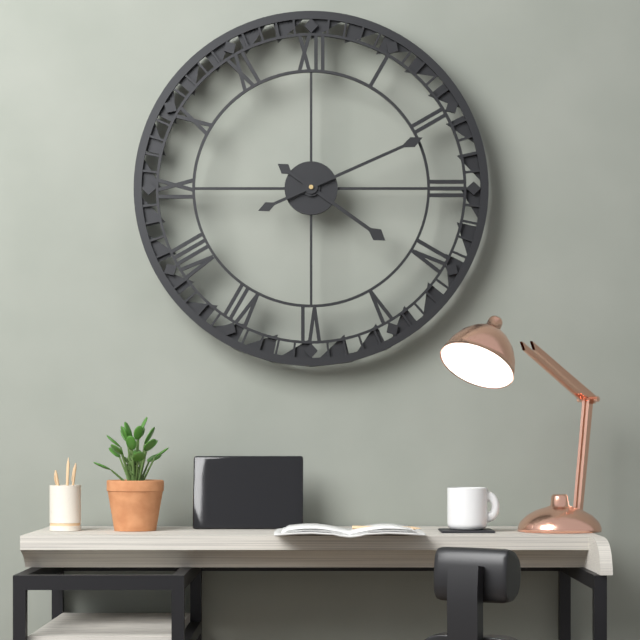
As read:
h=4 m=11
